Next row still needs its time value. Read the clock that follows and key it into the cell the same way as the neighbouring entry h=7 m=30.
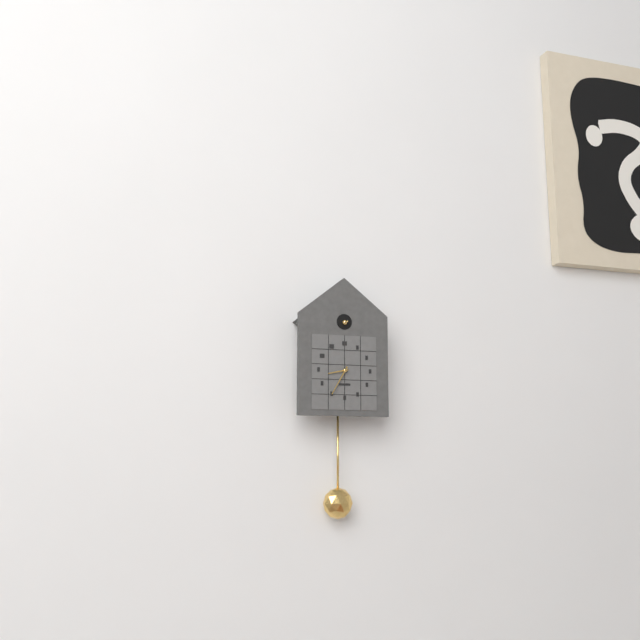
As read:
h=8 m=35
